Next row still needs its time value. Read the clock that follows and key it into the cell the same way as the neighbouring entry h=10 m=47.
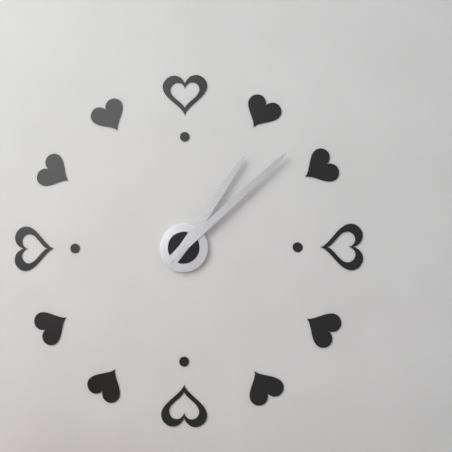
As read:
h=1 m=8
